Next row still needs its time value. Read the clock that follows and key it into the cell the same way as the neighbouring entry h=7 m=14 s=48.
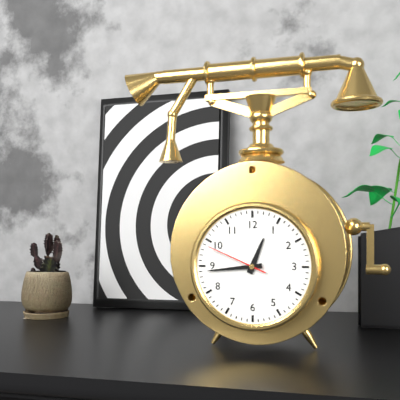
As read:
h=12 m=44 s=49
